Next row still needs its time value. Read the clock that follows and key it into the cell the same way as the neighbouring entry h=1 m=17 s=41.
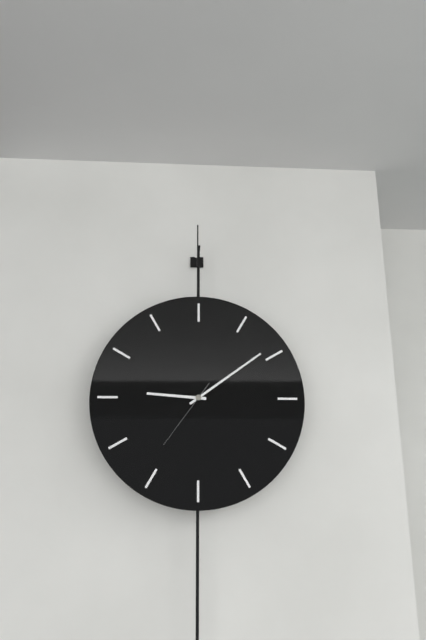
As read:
h=9 m=9 s=36
